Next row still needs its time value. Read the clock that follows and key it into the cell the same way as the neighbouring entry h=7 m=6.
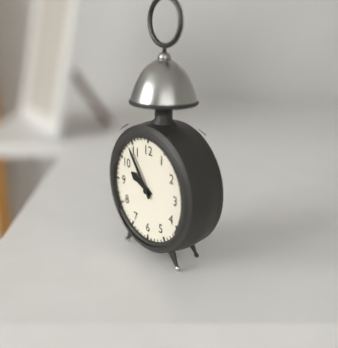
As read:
h=9 m=54
